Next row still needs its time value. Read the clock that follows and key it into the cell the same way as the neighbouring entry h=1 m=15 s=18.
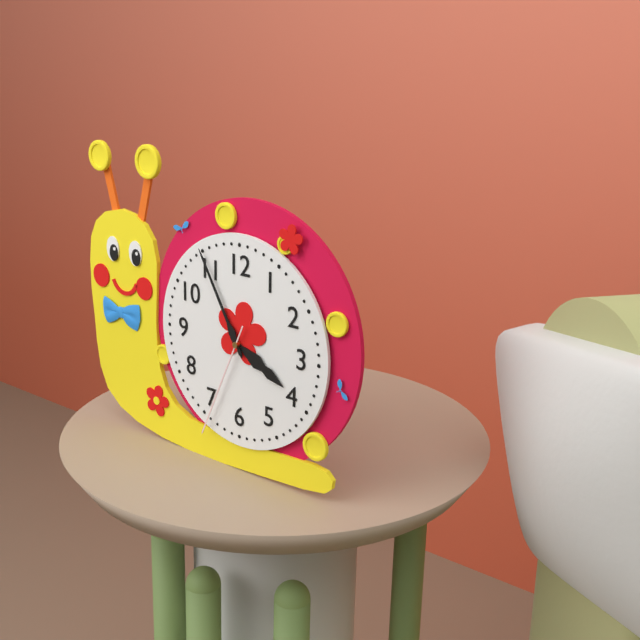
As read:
h=3 m=55 s=34
